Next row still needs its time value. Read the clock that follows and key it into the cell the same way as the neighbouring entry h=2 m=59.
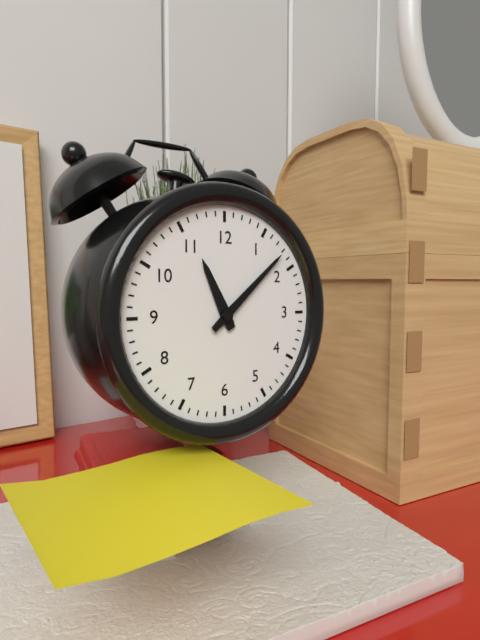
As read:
h=11 m=8
